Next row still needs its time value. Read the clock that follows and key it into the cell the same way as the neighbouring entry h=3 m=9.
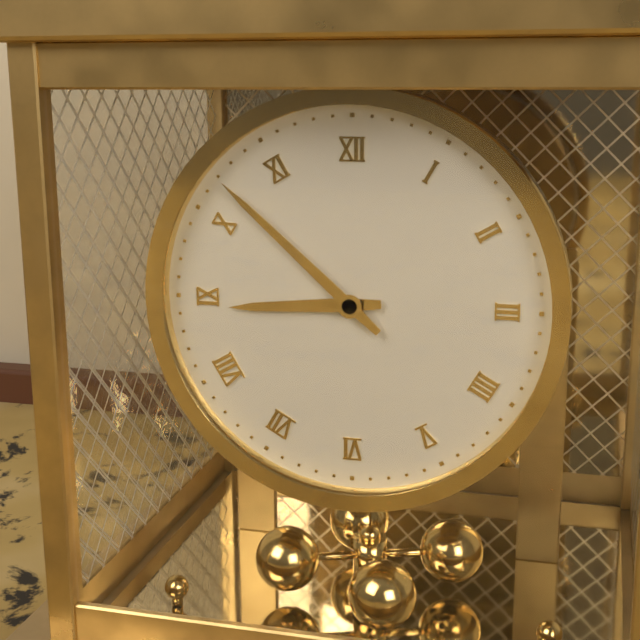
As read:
h=8 m=52
